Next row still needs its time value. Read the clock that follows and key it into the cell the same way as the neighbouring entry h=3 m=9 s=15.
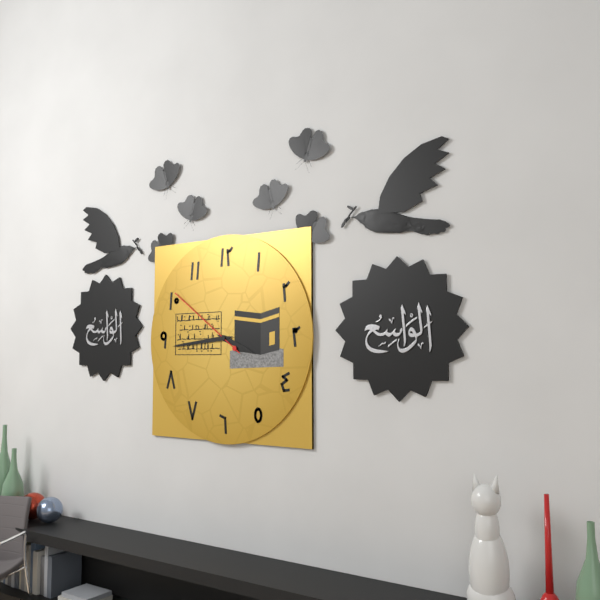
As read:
h=3 m=44 s=51
